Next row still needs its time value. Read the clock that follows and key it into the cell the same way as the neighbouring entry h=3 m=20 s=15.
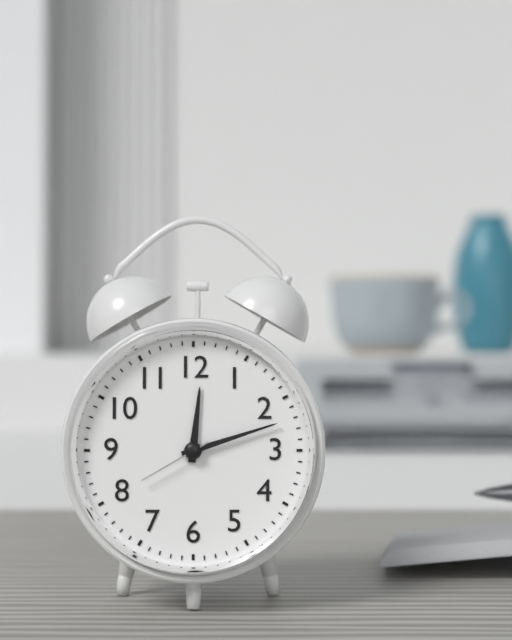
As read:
h=12 m=12 s=40
